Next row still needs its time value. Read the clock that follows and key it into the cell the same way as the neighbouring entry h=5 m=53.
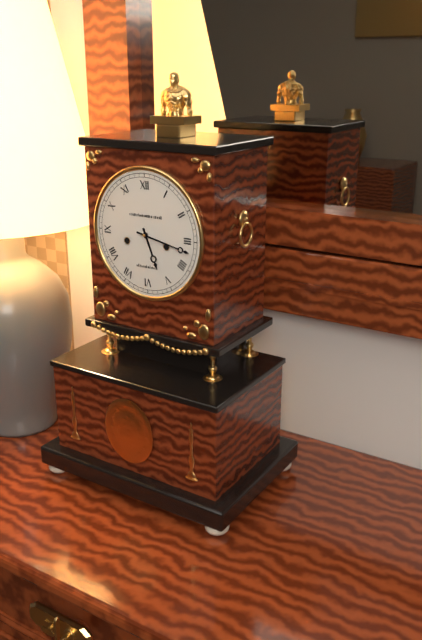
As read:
h=5 m=17
